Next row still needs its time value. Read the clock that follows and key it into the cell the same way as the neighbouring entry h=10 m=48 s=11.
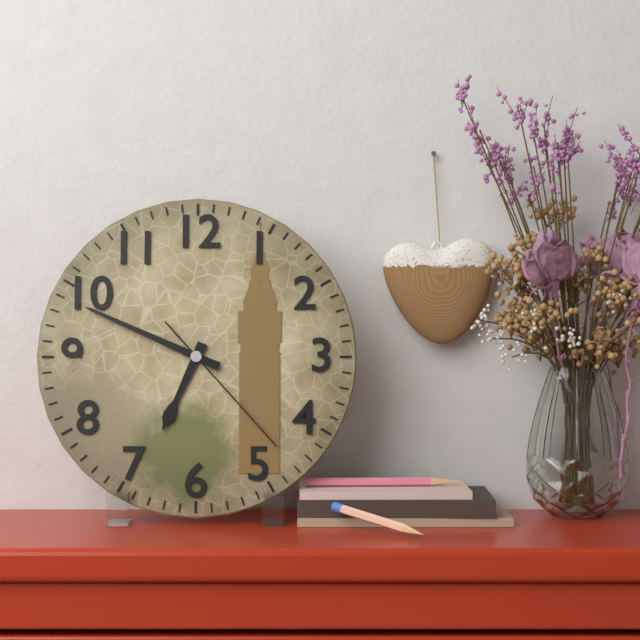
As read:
h=6 m=49 s=23
